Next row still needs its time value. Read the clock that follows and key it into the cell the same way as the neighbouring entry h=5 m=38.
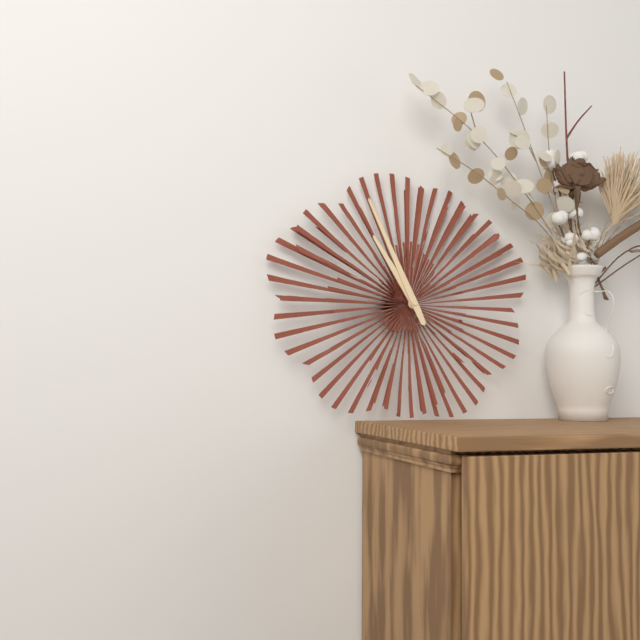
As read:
h=10 m=56
